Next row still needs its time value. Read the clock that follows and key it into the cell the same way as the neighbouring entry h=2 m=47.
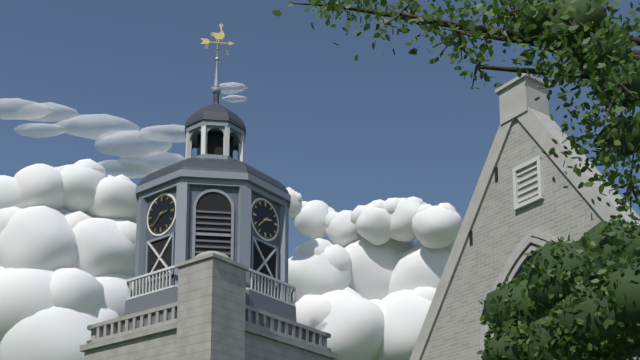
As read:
h=2 m=38
